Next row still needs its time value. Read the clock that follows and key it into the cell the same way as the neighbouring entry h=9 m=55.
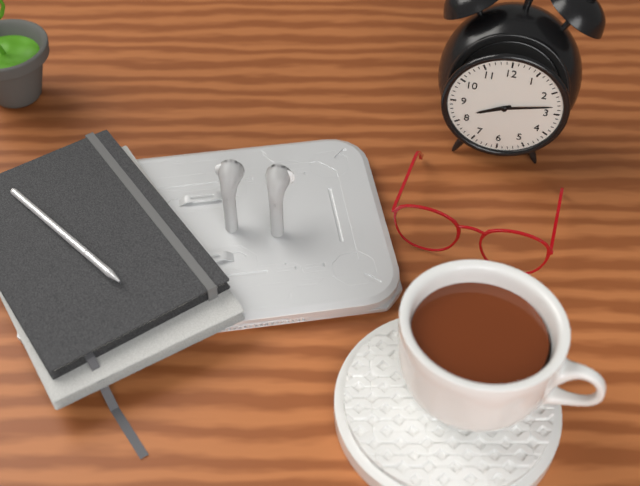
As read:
h=8 m=13
